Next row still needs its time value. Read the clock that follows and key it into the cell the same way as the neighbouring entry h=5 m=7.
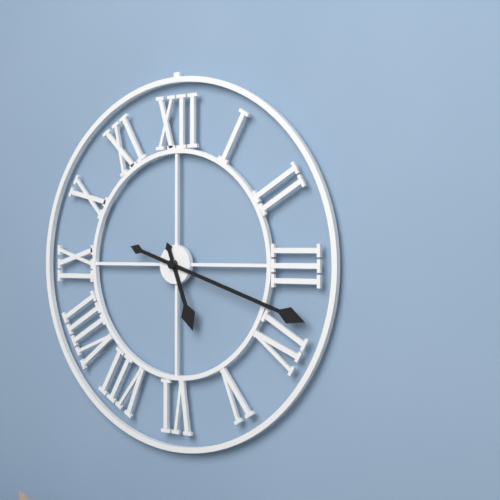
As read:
h=5 m=18
